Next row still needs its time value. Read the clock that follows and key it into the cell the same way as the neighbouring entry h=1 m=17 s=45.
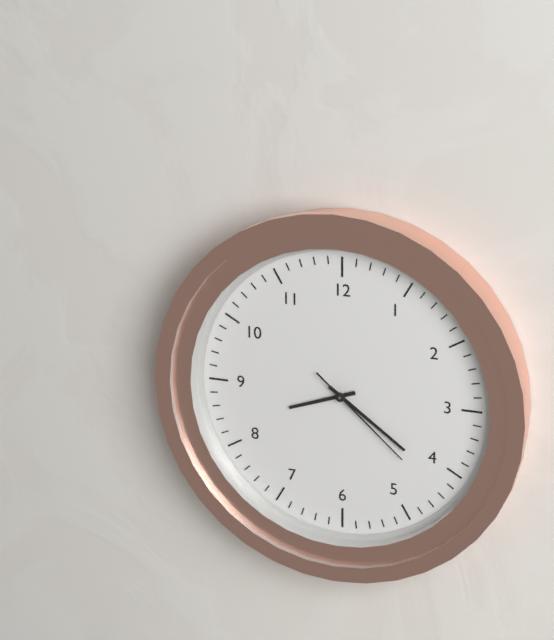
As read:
h=8 m=21 s=22
